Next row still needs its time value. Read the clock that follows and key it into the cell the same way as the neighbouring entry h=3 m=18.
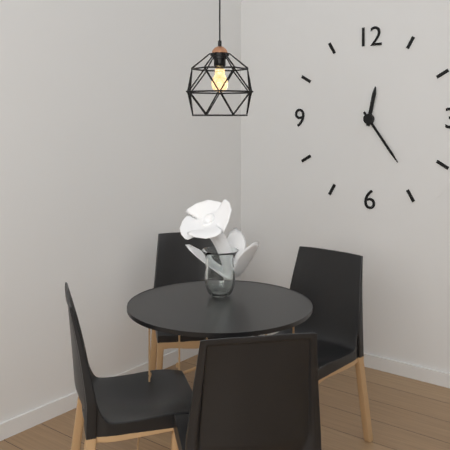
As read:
h=12 m=24
